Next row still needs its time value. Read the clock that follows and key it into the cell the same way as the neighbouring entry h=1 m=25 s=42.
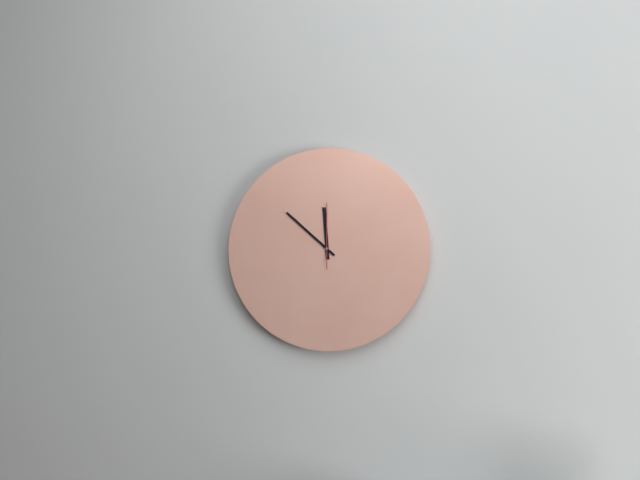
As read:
h=11 m=52 s=0
